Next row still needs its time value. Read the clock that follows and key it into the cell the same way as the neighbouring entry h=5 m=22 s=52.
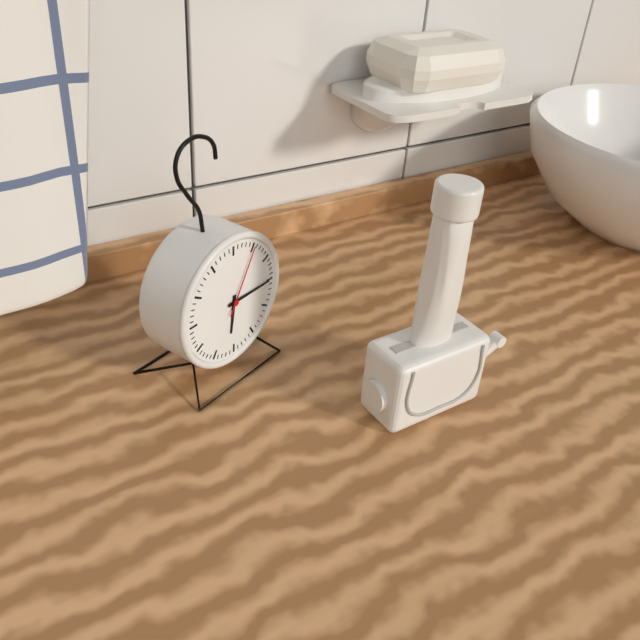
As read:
h=6 m=15 s=5
